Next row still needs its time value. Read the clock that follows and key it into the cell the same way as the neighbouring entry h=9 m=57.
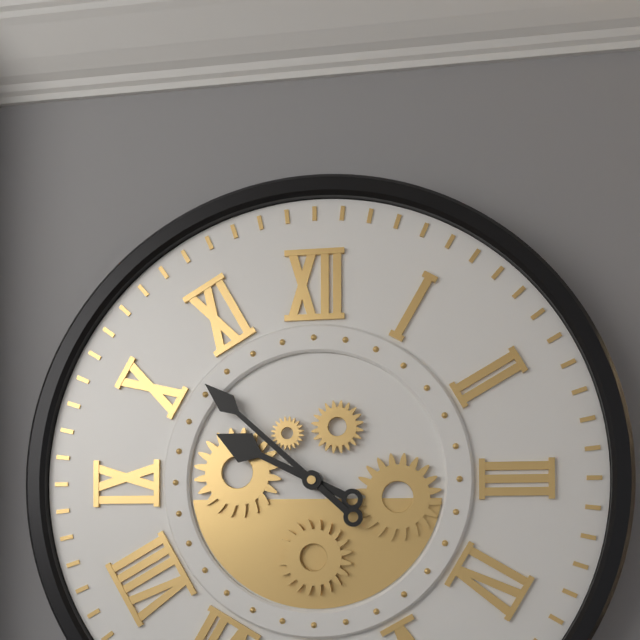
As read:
h=9 m=52
